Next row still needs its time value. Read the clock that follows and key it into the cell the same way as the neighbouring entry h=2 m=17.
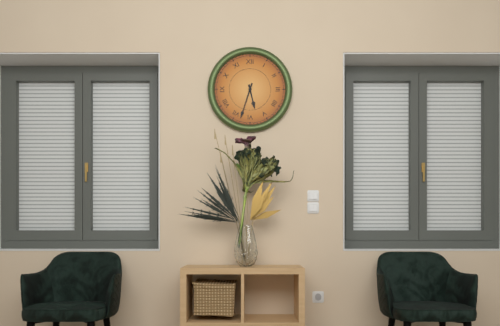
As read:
h=5 m=33
